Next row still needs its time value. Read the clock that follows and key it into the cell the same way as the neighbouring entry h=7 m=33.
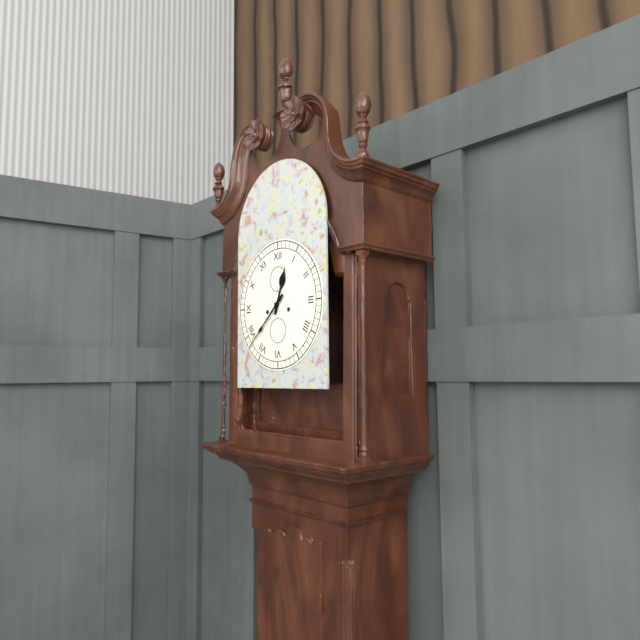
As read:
h=12 m=38
